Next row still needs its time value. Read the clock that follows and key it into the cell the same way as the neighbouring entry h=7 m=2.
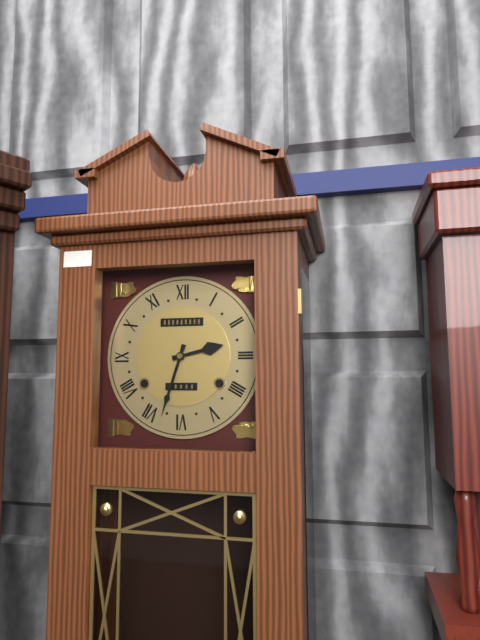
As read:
h=2 m=33
